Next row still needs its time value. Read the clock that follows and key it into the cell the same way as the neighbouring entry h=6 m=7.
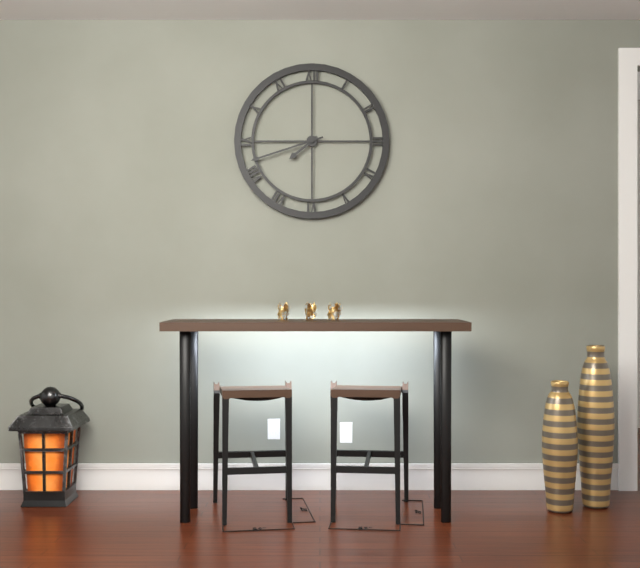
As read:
h=7 m=42
